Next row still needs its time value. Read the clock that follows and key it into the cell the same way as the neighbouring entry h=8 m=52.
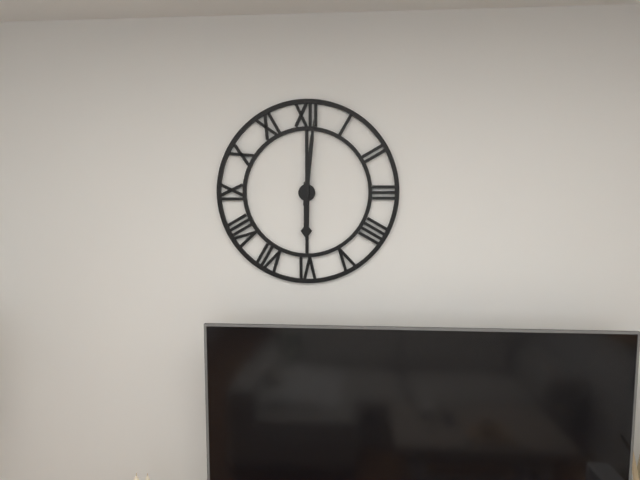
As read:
h=6 m=1
